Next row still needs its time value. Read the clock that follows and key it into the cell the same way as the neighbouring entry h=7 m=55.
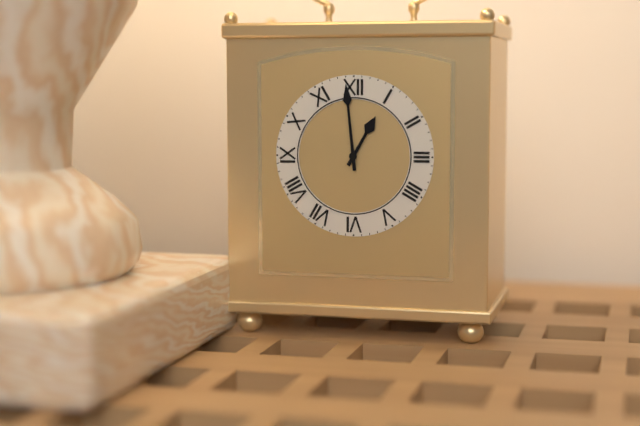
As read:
h=12 m=59
